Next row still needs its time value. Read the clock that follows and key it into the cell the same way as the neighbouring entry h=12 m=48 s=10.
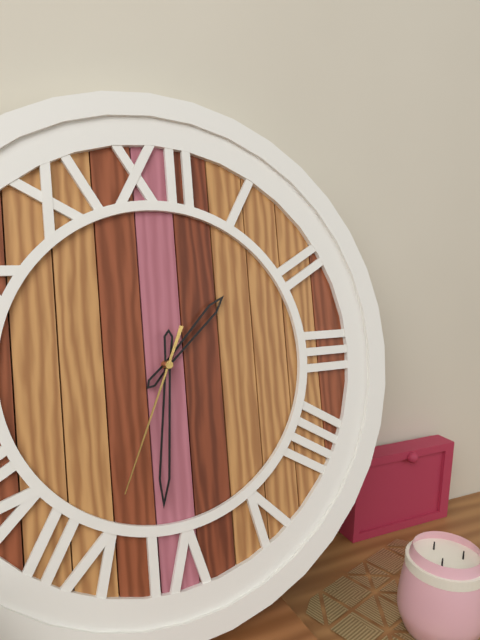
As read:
h=1 m=31 s=34
